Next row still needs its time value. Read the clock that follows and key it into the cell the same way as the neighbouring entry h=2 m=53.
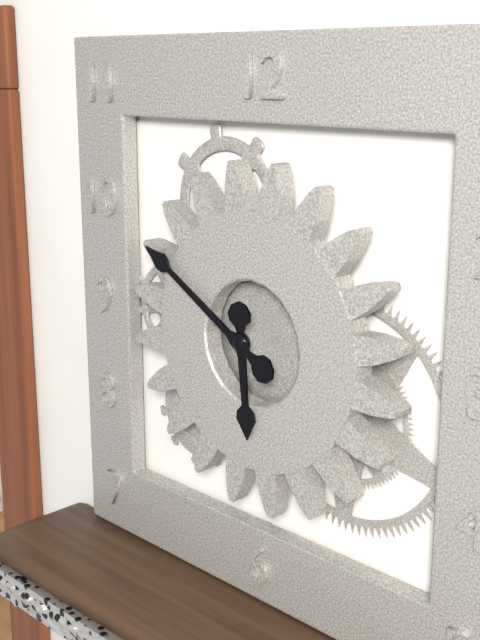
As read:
h=5 m=50
